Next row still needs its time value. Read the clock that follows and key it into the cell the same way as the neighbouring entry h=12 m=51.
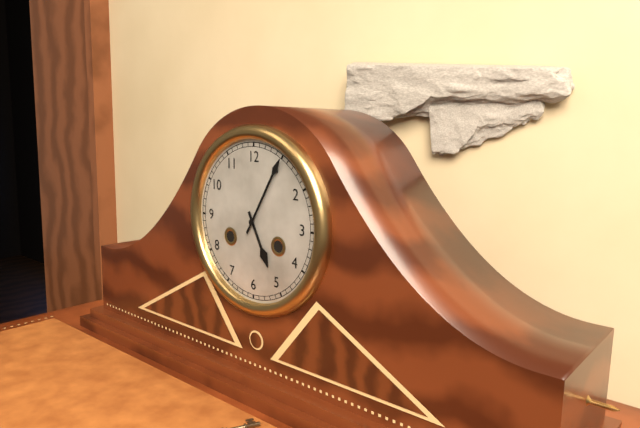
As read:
h=5 m=5
